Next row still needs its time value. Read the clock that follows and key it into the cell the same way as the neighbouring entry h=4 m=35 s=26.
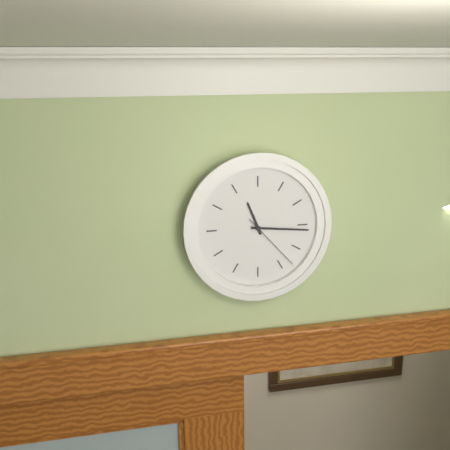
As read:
h=11 m=16 s=23
